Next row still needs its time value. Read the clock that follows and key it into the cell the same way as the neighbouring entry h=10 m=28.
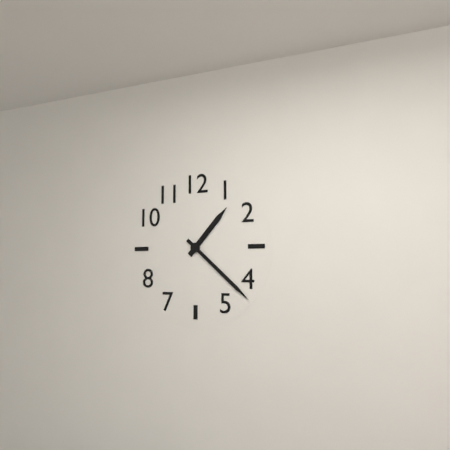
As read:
h=1 m=22
